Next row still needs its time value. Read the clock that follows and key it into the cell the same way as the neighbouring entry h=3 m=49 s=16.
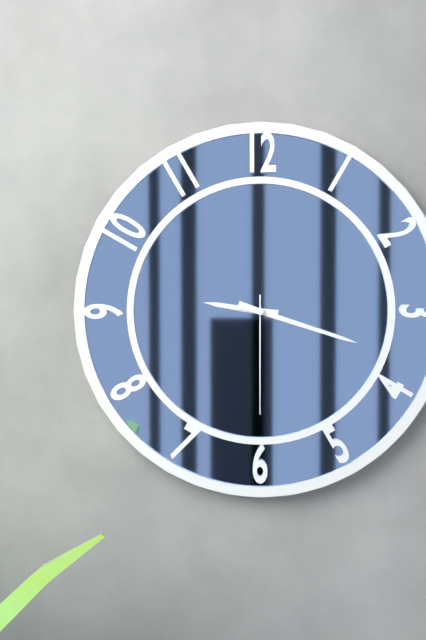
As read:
h=9 m=18 s=30
